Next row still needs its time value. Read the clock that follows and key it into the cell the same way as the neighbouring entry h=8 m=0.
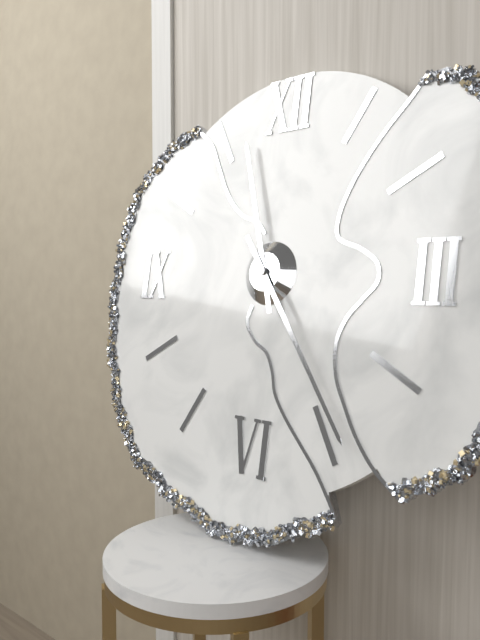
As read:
h=11 m=24
